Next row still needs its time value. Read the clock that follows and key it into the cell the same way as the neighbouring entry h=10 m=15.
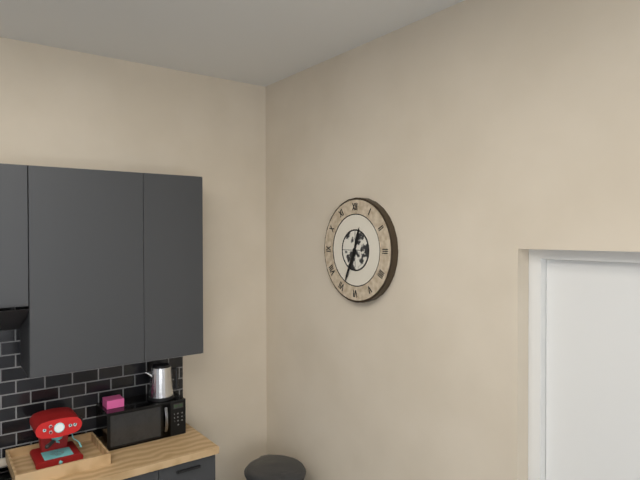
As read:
h=12 m=34
